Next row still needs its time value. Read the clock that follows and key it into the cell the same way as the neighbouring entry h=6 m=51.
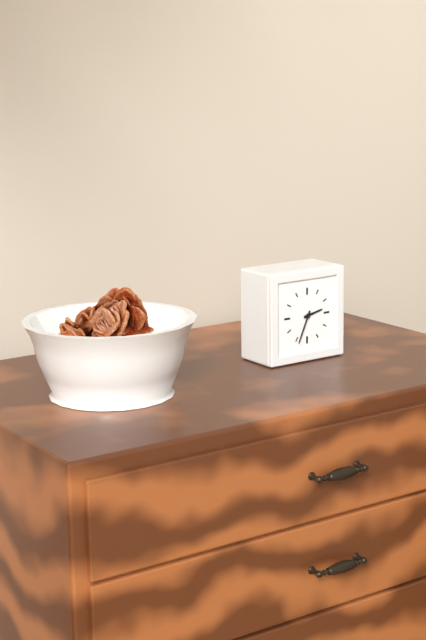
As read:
h=2 m=34
